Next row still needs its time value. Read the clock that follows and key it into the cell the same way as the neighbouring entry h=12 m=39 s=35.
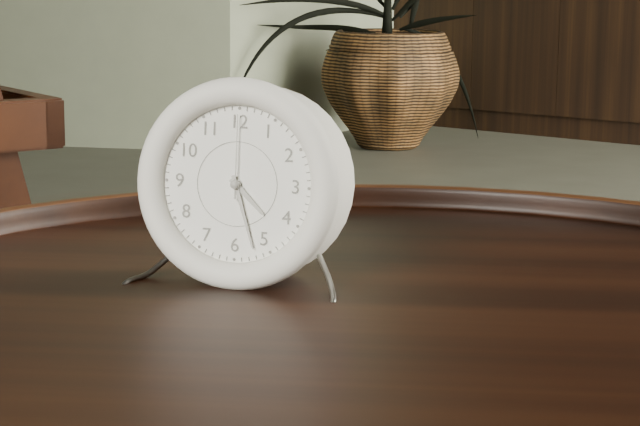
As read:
h=4 m=27 s=0
